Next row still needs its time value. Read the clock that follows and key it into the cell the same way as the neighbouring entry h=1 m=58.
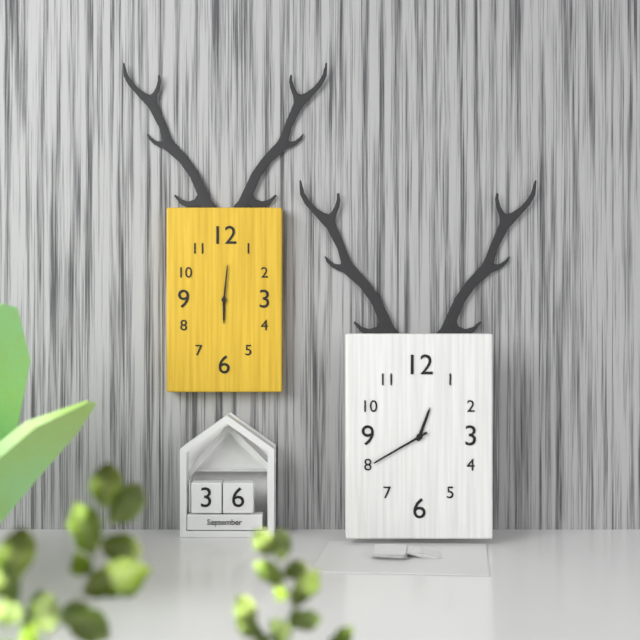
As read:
h=6 m=1
